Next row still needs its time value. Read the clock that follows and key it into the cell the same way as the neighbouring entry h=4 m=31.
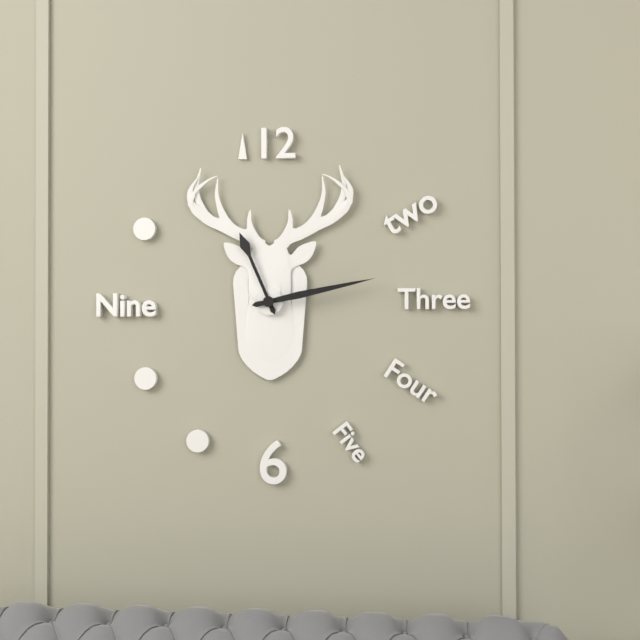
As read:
h=11 m=13
